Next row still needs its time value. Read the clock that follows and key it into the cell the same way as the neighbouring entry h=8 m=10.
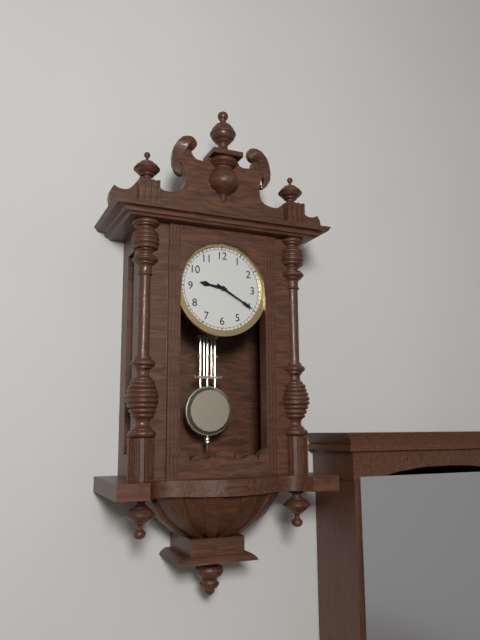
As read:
h=9 m=20
